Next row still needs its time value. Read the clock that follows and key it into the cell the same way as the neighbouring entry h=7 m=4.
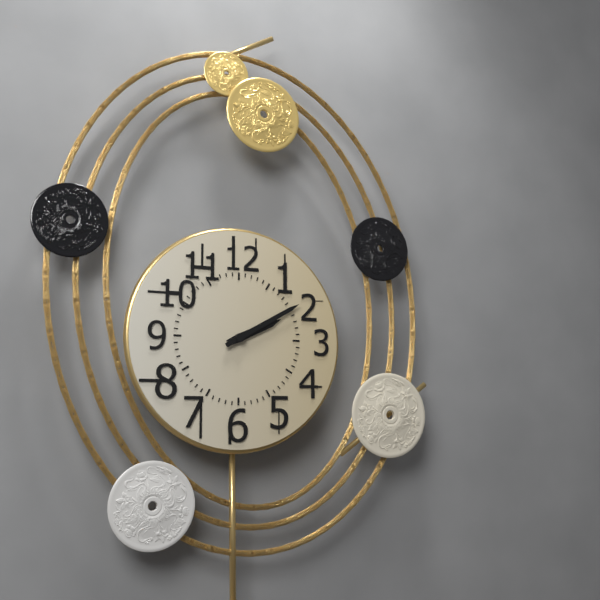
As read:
h=2 m=10
